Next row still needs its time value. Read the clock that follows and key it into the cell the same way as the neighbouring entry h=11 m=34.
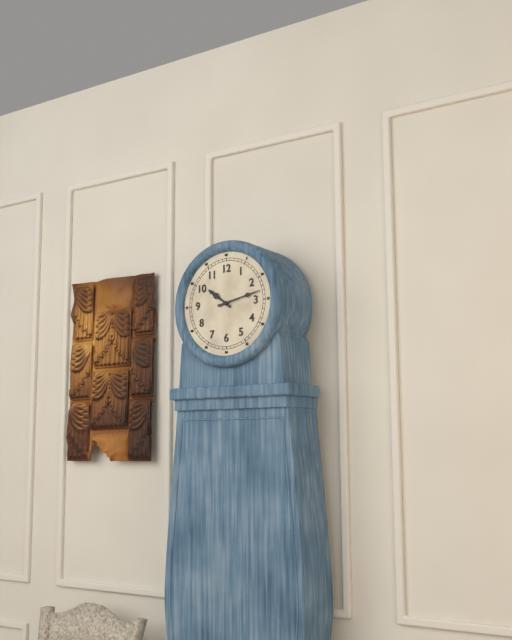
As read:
h=10 m=13
